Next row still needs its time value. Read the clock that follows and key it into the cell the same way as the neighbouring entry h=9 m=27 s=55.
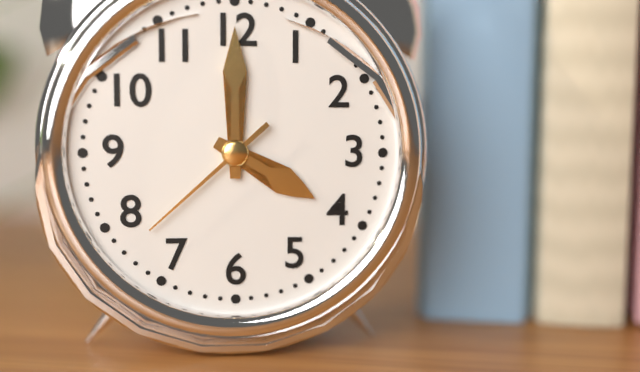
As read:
h=4 m=0 s=38
